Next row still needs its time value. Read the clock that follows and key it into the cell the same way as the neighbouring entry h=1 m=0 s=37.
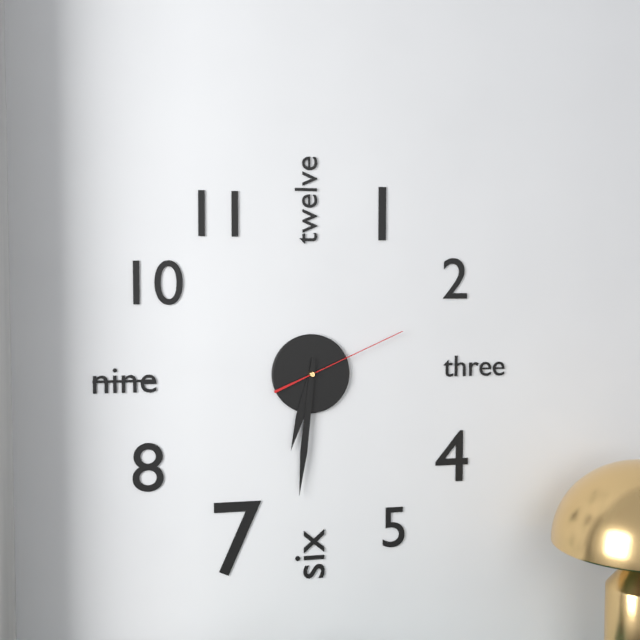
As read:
h=6 m=31 s=11
